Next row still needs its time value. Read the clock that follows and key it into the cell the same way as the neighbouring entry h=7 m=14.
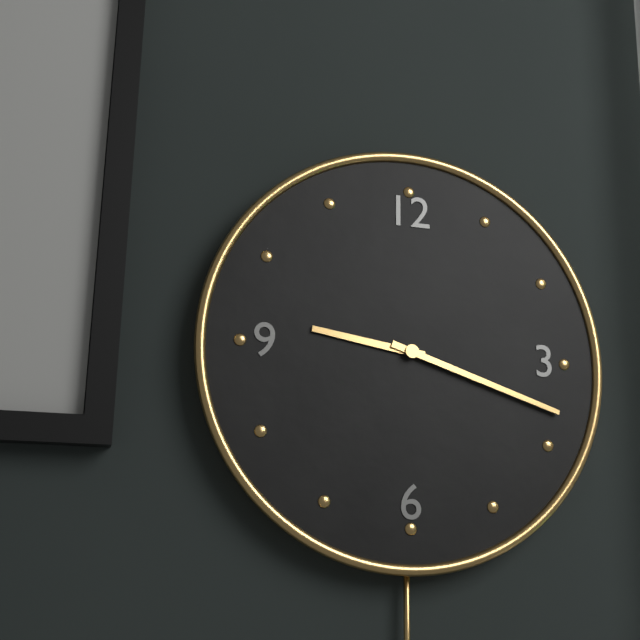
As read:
h=9 m=18
